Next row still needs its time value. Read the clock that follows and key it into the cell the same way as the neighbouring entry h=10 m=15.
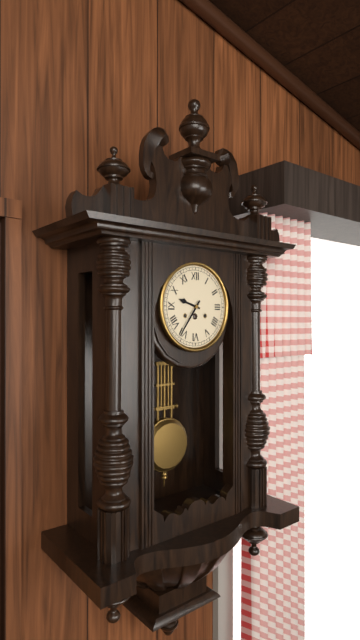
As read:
h=9 m=36
